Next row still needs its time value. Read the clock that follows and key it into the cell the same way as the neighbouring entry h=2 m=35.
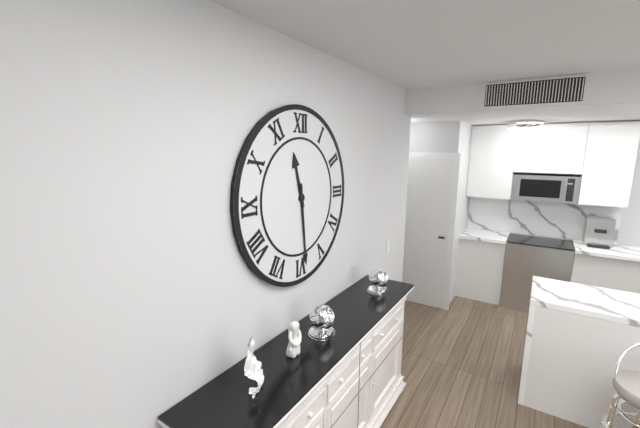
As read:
h=11 m=29
